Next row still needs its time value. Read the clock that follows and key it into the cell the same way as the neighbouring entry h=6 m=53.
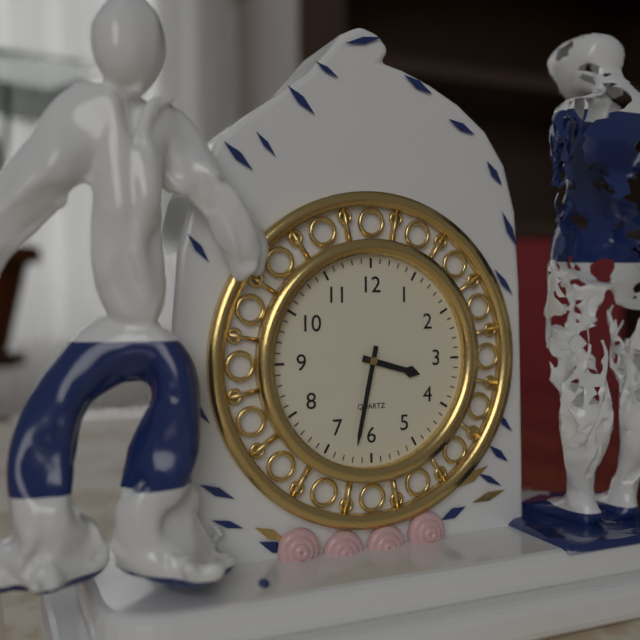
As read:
h=3 m=32
